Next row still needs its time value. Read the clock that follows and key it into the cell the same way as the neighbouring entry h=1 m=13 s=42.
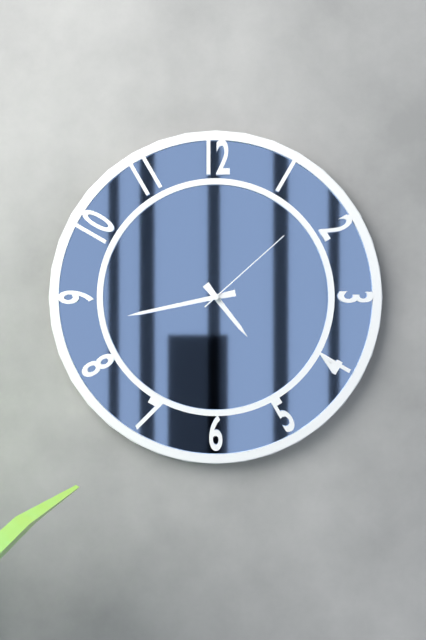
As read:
h=4 m=43 s=8
